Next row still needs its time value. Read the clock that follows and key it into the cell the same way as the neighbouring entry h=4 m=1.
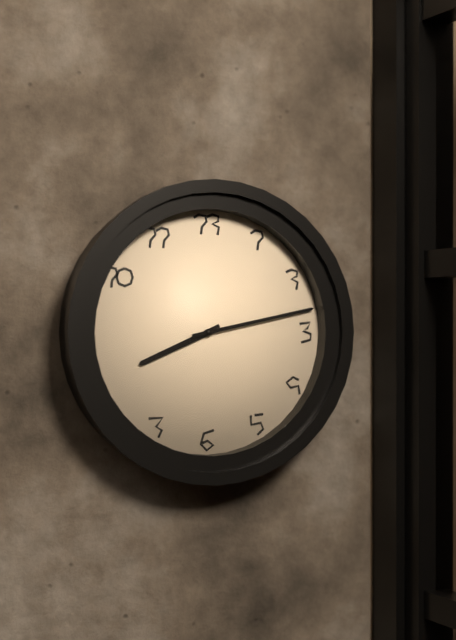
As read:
h=8 m=13
